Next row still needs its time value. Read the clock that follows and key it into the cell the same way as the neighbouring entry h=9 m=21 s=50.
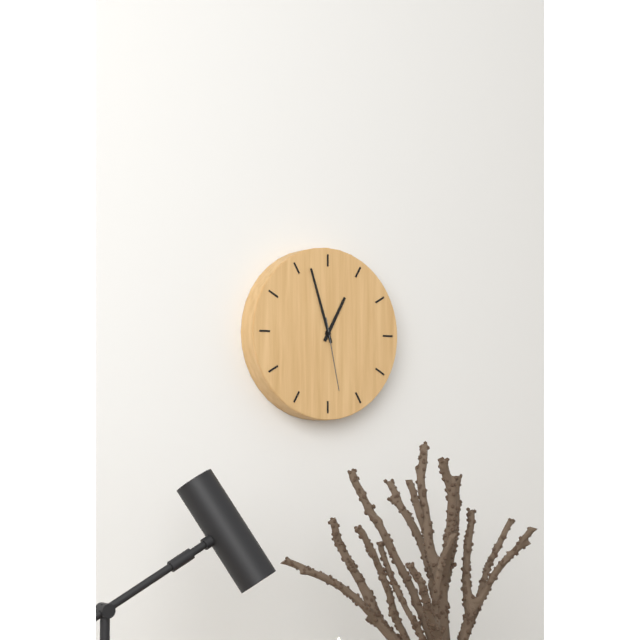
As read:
h=12 m=57 s=28
